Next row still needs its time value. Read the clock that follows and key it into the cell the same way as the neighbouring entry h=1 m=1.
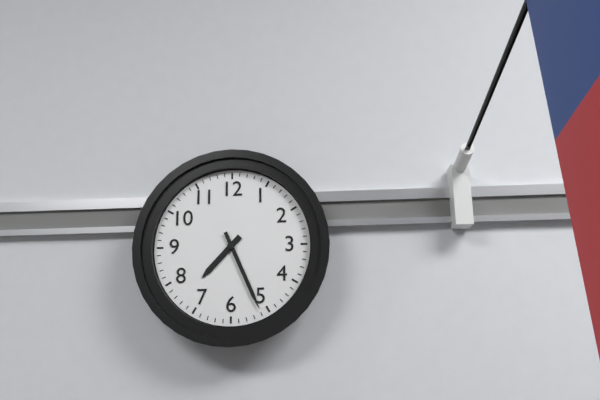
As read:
h=7 m=26
